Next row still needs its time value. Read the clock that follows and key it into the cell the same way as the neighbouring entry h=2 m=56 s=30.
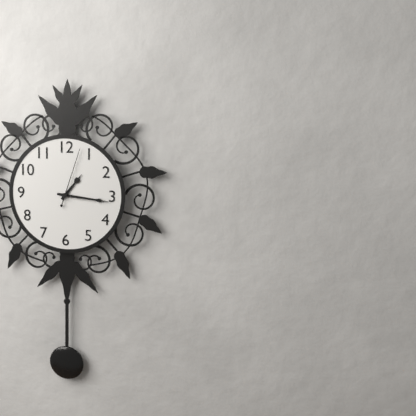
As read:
h=1 m=16 s=3
